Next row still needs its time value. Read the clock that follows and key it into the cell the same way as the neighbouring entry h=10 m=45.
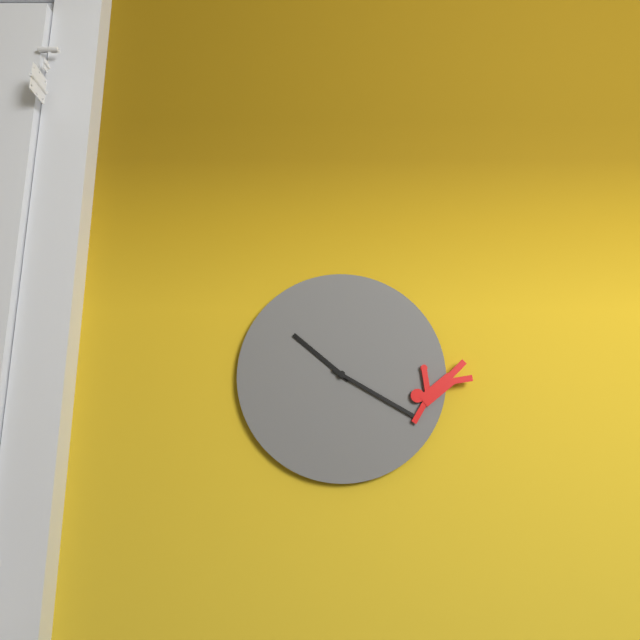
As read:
h=10 m=20
